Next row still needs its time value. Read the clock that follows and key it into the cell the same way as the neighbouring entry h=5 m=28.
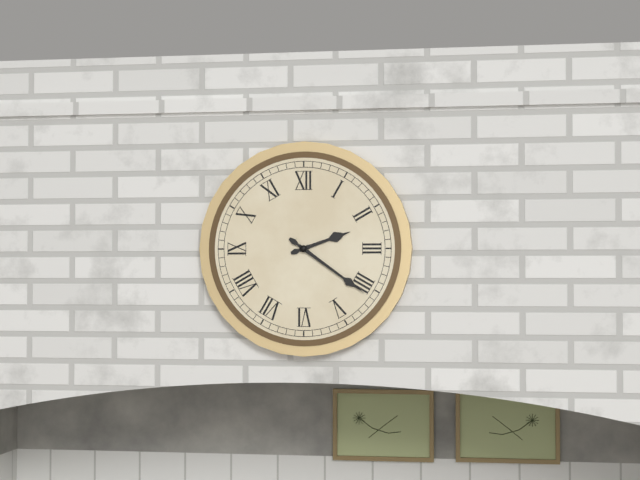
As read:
h=2 m=21
